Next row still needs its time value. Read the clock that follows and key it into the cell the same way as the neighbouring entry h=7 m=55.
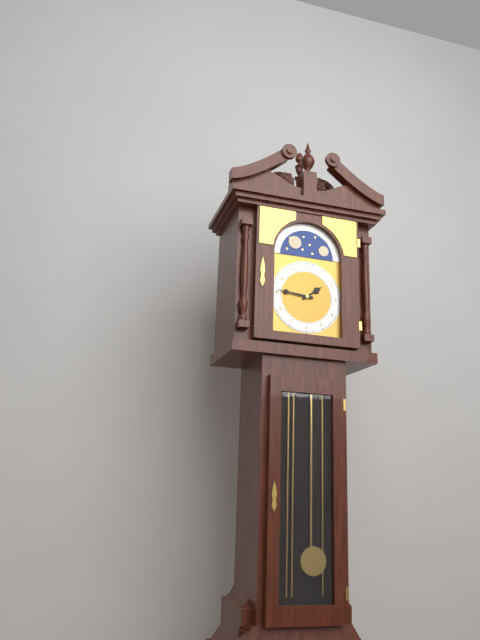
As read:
h=1 m=46
